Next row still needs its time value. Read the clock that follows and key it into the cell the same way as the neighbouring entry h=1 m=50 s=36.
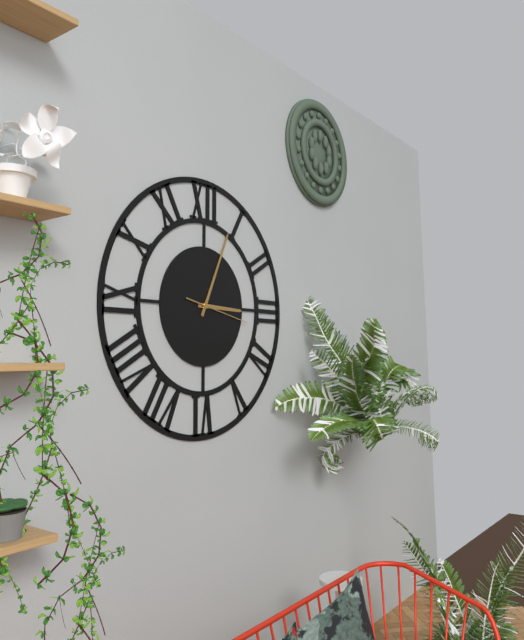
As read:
h=3 m=4 s=17
